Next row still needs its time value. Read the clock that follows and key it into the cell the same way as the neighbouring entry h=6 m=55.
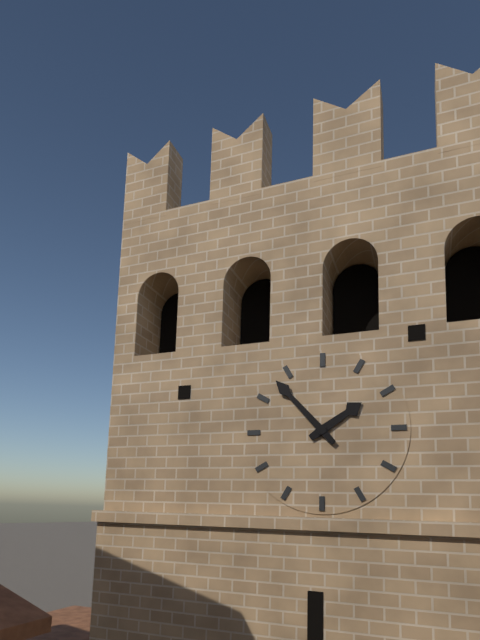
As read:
h=1 m=53
